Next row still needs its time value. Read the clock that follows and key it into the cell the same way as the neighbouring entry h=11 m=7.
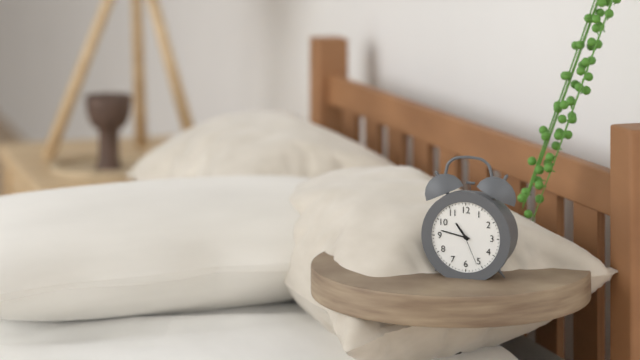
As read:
h=10 m=47
